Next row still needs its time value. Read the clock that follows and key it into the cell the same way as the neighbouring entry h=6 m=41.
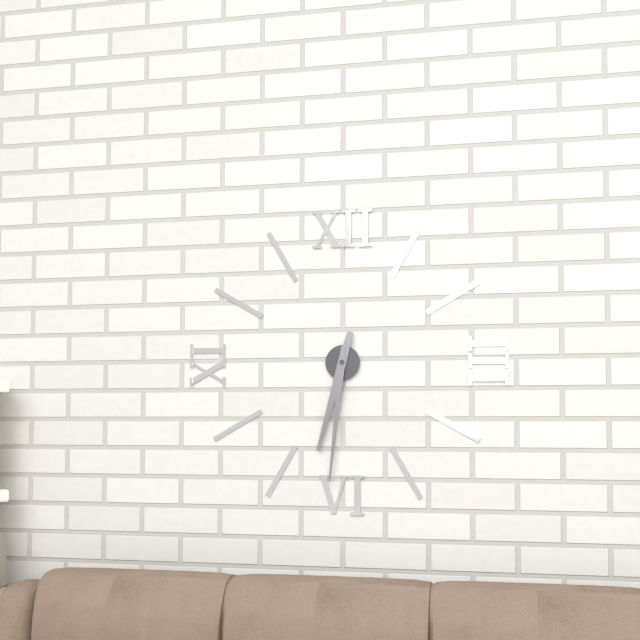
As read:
h=6 m=31
